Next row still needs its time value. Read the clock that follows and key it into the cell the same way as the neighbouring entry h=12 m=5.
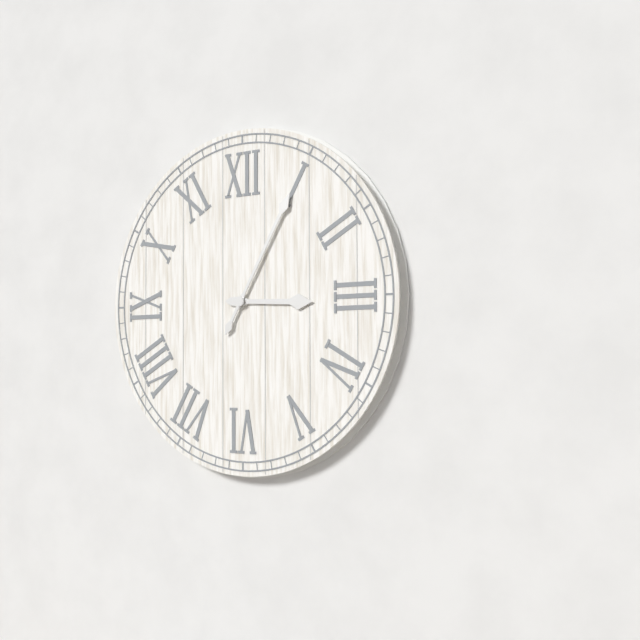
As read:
h=3 m=5
